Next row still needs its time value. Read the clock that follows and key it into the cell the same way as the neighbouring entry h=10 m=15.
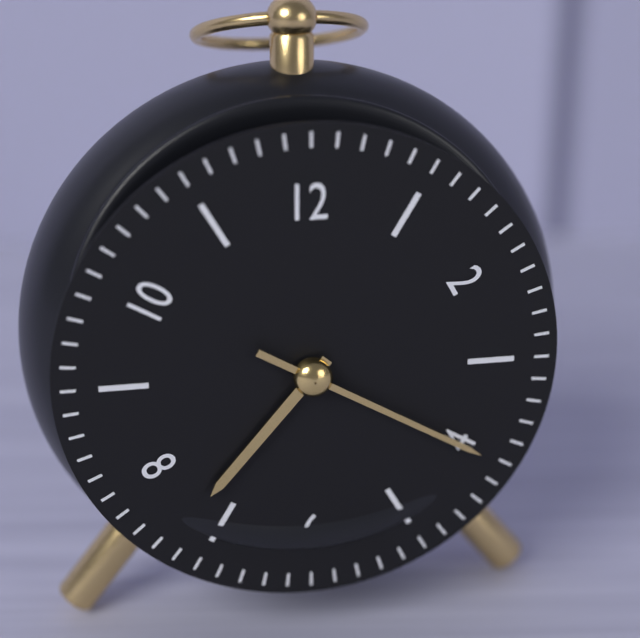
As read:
h=7 m=20
